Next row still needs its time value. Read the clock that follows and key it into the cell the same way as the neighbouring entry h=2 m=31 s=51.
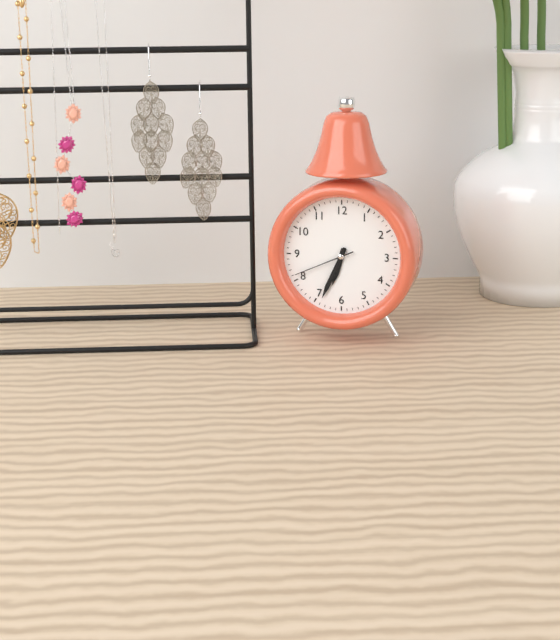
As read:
h=6 m=34 s=41
